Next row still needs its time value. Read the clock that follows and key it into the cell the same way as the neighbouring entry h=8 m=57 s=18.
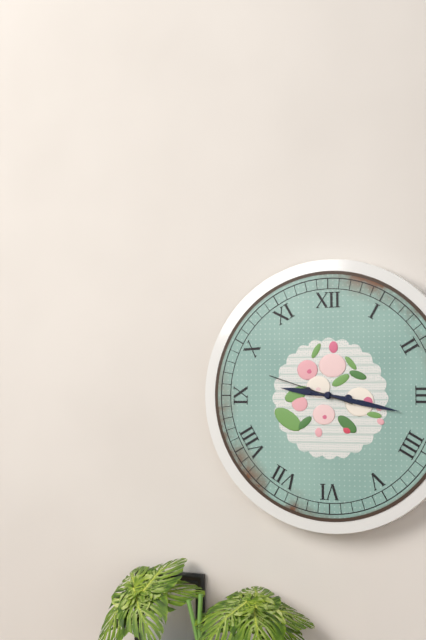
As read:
h=9 m=17 s=48
